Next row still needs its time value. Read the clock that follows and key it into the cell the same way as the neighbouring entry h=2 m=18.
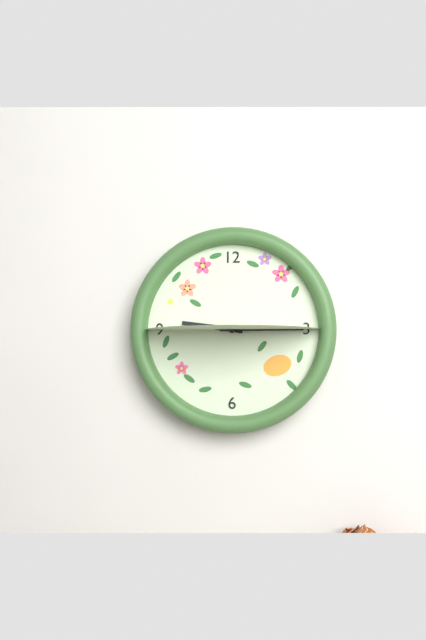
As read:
h=9 m=15
